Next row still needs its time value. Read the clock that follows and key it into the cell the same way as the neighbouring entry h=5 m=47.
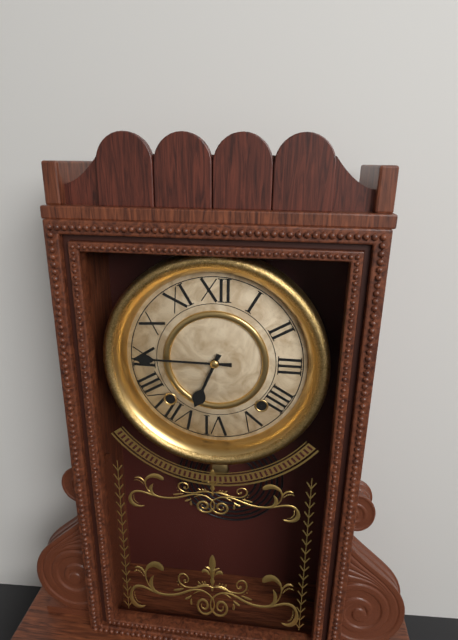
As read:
h=6 m=45
